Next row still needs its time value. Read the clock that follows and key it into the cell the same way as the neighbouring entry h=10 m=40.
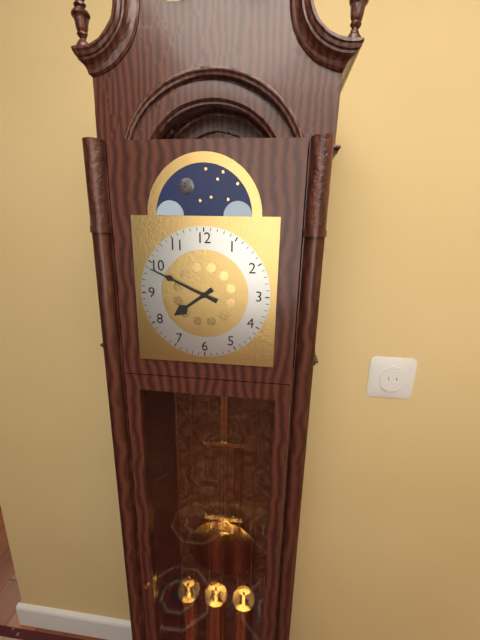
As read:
h=7 m=49
